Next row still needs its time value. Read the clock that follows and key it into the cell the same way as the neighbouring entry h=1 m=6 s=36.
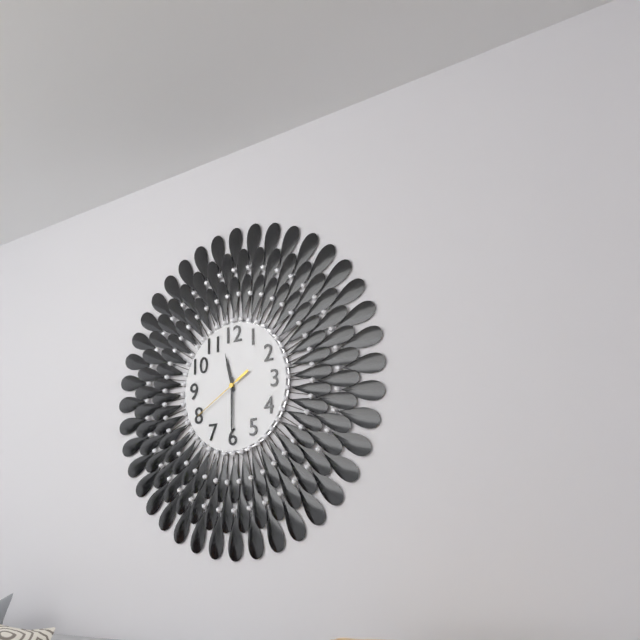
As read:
h=11 m=30 s=40
